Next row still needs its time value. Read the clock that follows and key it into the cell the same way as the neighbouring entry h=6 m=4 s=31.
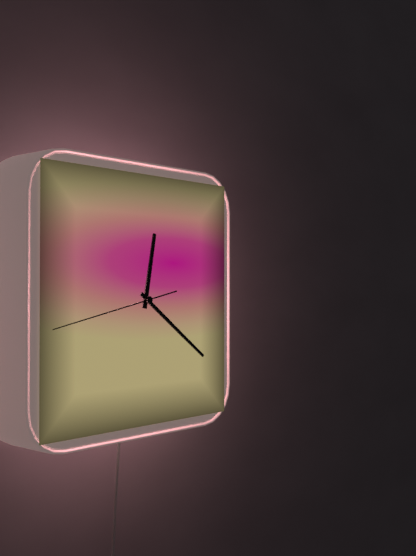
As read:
h=12 m=21 s=43
